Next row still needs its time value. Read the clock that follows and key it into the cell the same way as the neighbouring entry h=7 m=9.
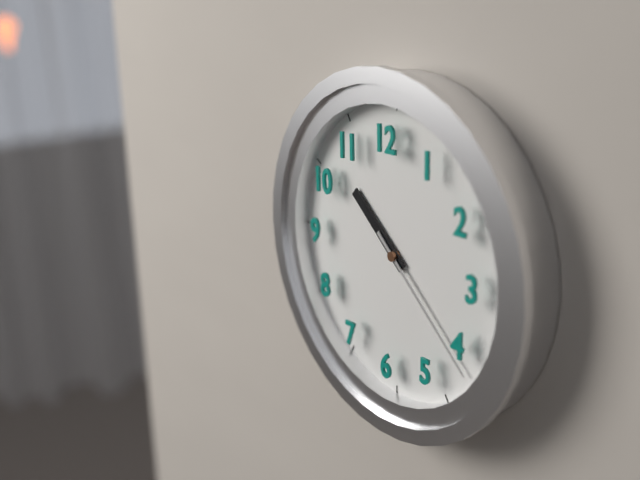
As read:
h=10 m=22
